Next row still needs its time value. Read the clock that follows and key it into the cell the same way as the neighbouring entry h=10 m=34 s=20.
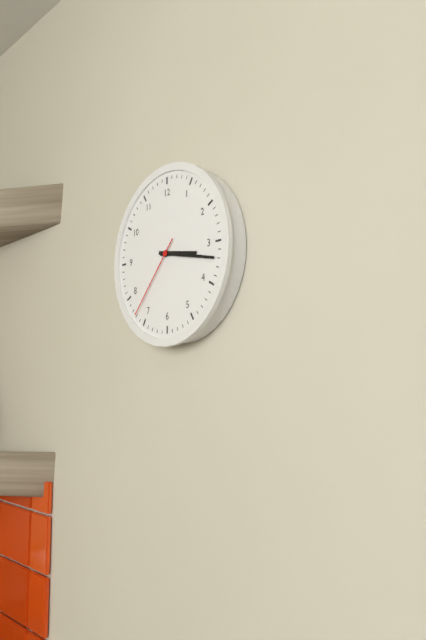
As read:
h=3 m=17 s=37
